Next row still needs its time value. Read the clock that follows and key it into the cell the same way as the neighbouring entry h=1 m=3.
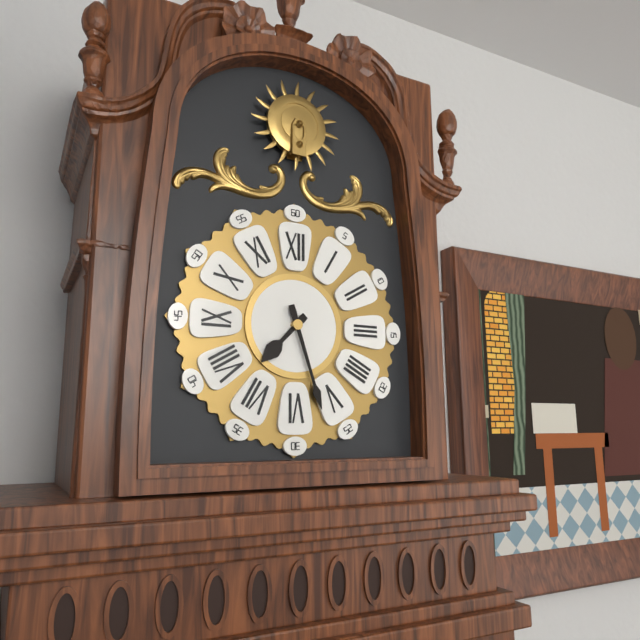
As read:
h=7 m=27
